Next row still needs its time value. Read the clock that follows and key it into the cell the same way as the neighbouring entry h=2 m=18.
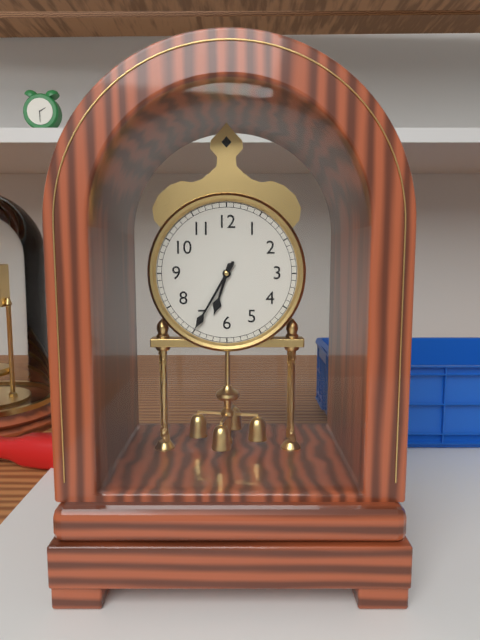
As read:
h=6 m=35
